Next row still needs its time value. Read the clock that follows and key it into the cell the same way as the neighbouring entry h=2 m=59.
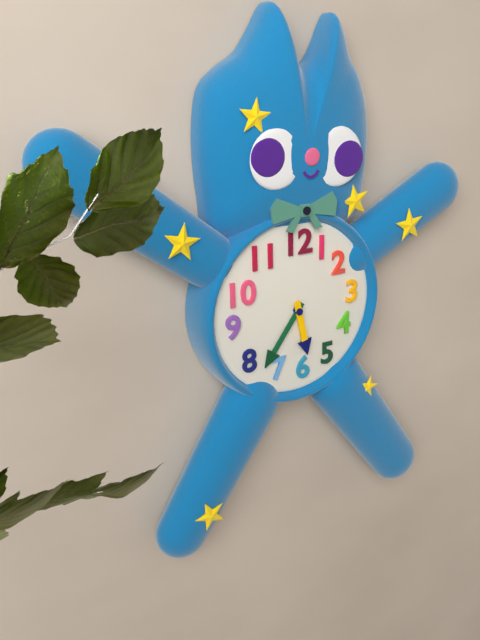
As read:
h=5 m=36
